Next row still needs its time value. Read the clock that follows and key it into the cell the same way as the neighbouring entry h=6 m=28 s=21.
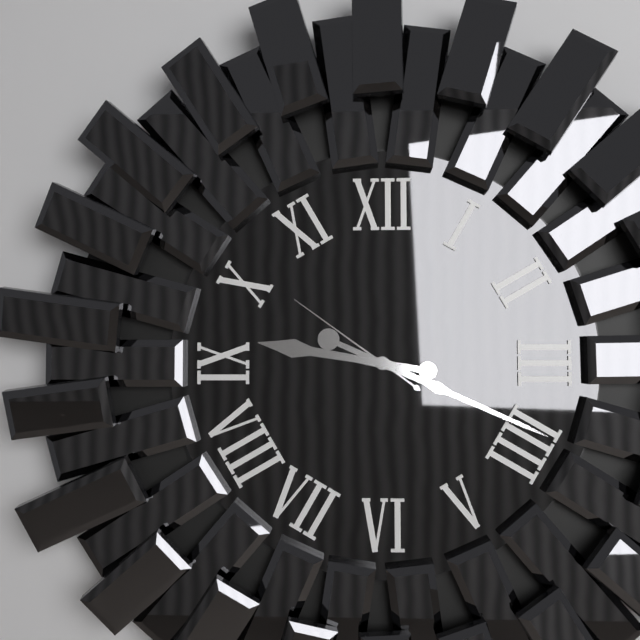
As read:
h=9 m=19 s=51
